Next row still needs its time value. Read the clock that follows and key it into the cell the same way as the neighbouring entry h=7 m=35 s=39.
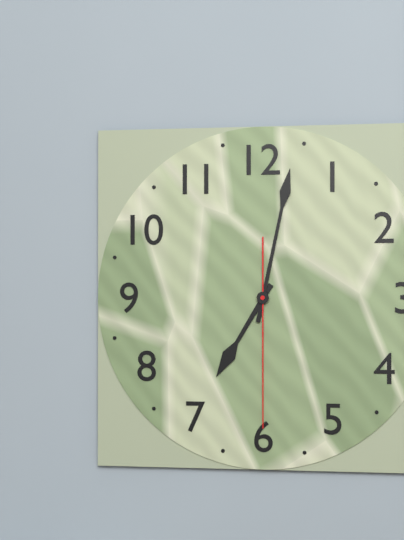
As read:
h=7 m=2 s=30
